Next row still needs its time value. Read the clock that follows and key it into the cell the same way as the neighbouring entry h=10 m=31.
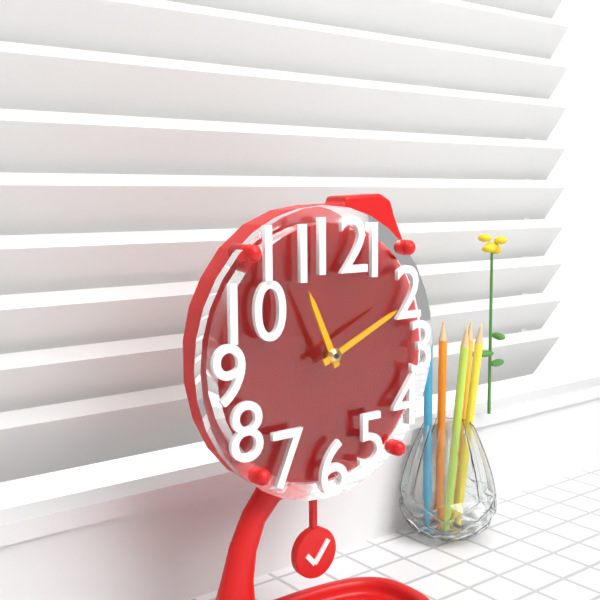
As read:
h=11 m=11
